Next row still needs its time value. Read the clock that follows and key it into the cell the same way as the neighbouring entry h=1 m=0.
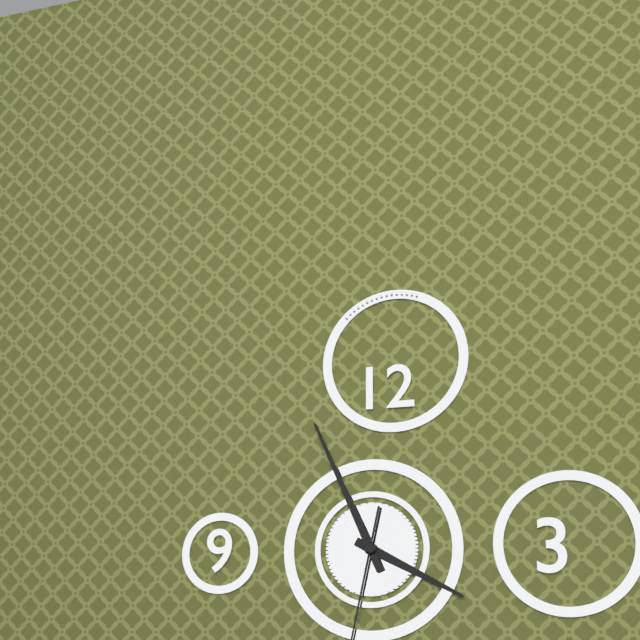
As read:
h=3 m=56
